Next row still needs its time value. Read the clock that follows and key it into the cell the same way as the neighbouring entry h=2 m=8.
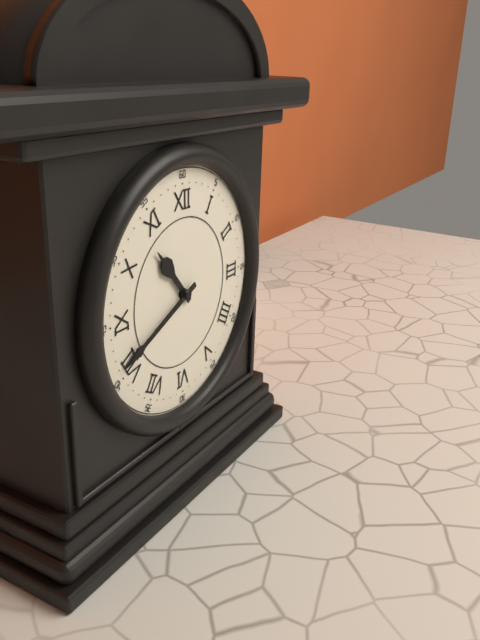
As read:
h=10 m=41
